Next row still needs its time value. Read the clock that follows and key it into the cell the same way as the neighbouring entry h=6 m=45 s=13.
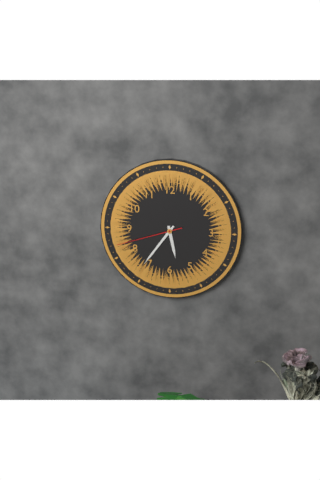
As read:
h=5 m=36 s=42
